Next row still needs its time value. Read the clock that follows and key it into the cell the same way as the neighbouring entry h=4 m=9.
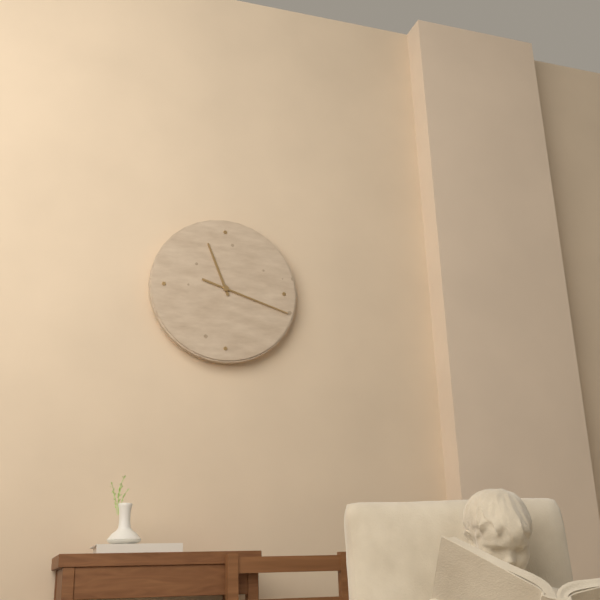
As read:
h=11 m=18
